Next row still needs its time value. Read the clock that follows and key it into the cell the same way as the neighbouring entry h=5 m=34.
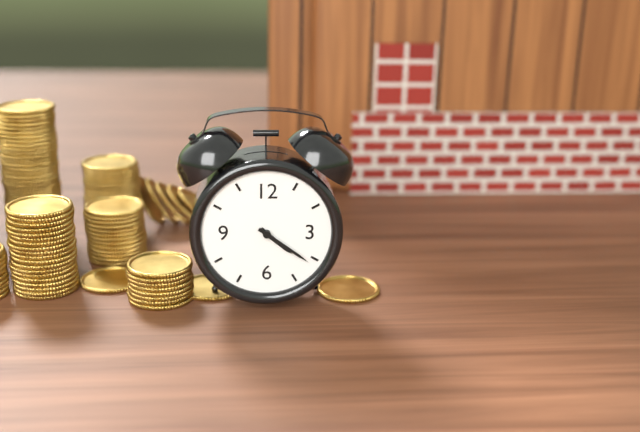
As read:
h=4 m=21
